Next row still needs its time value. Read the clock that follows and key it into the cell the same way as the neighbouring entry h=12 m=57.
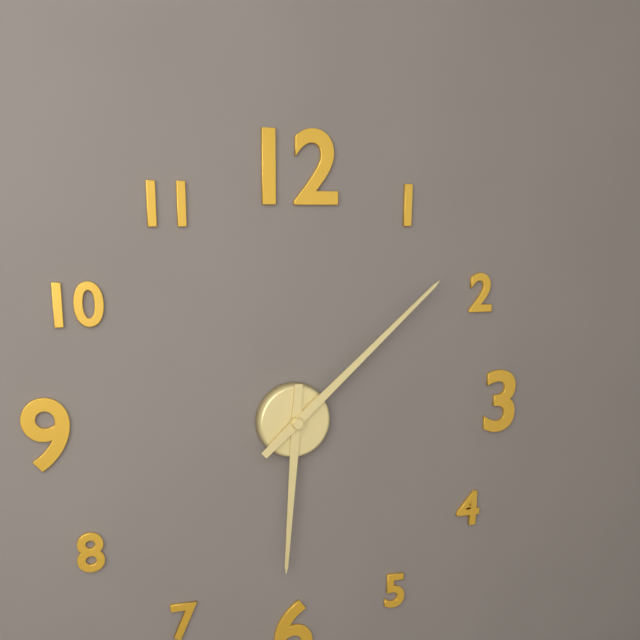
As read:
h=6 m=8
